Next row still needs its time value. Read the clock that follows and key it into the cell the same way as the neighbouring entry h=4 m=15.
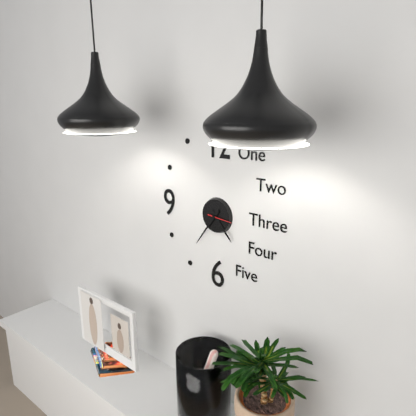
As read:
h=4 m=36
